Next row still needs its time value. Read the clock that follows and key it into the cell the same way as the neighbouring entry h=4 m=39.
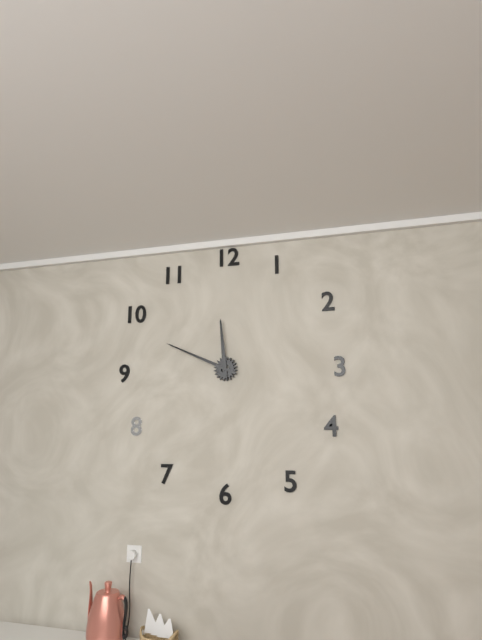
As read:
h=11 m=49
